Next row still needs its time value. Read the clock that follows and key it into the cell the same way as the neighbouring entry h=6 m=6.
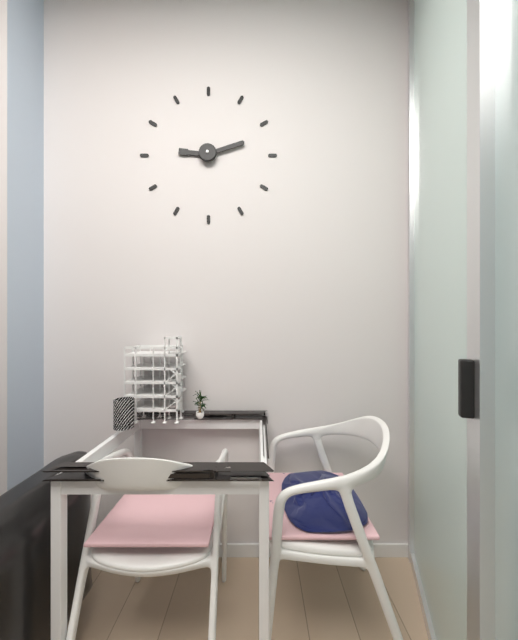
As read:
h=9 m=12
